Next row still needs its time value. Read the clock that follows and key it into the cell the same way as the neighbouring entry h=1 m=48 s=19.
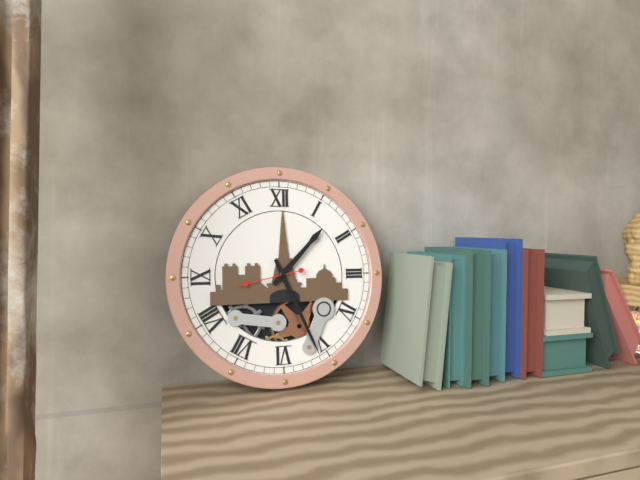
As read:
h=1 m=26 s=43
